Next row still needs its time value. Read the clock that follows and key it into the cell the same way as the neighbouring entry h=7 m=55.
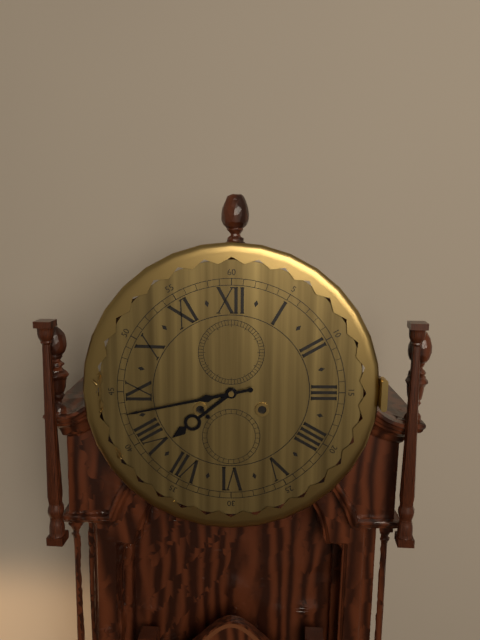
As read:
h=7 m=43
